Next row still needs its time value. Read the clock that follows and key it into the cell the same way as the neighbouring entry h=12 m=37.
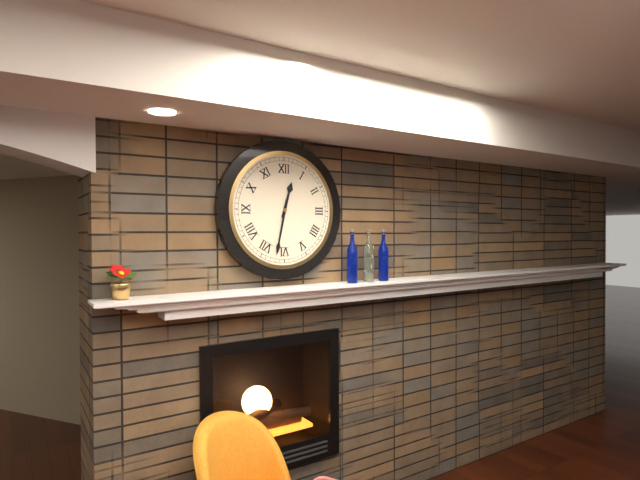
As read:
h=12 m=32
